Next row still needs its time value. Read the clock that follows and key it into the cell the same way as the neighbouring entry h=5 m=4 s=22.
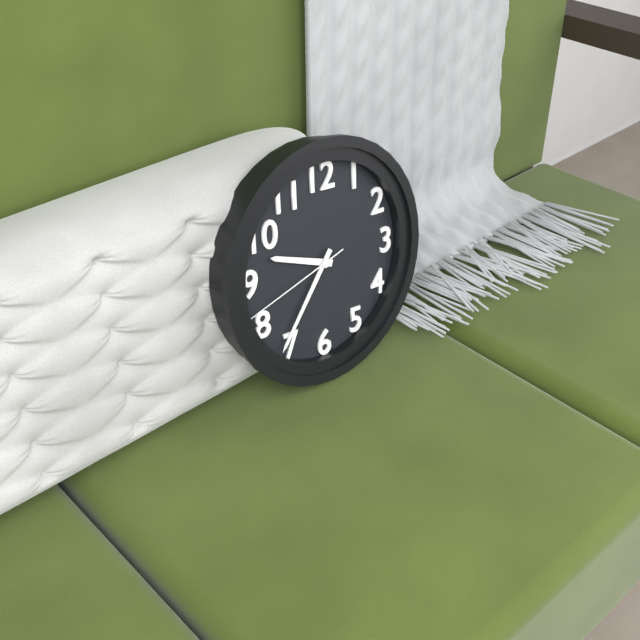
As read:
h=9 m=36 s=42
